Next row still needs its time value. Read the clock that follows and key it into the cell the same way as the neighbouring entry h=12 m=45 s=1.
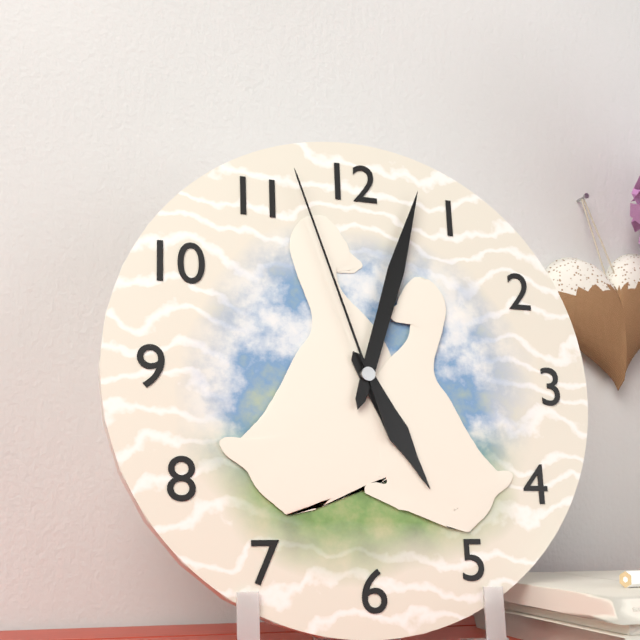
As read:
h=5 m=3 s=57
